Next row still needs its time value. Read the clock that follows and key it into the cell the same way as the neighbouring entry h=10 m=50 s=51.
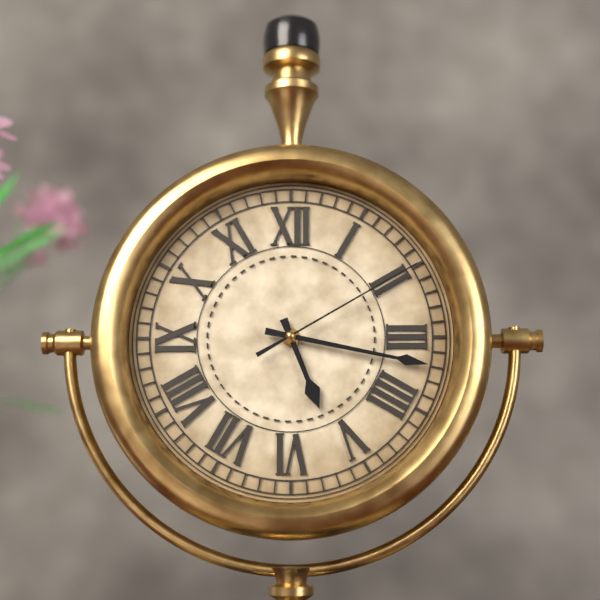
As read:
h=5 m=17 s=10
